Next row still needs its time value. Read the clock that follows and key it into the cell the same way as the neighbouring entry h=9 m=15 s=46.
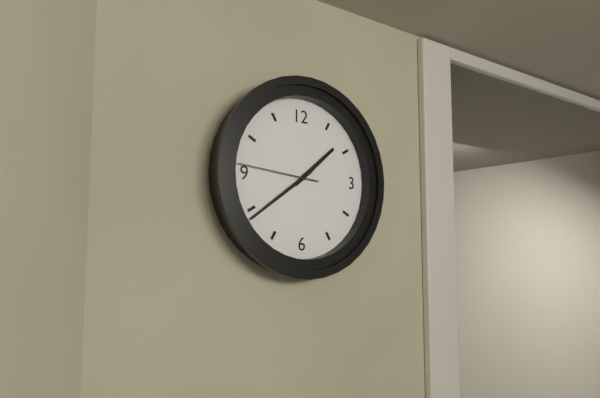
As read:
h=1 m=39 s=46
